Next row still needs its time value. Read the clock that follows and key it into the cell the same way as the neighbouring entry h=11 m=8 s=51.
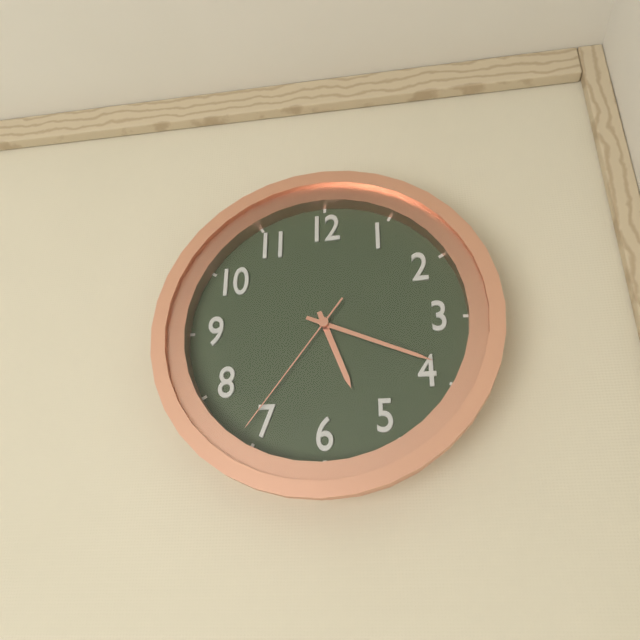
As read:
h=5 m=19 s=36
